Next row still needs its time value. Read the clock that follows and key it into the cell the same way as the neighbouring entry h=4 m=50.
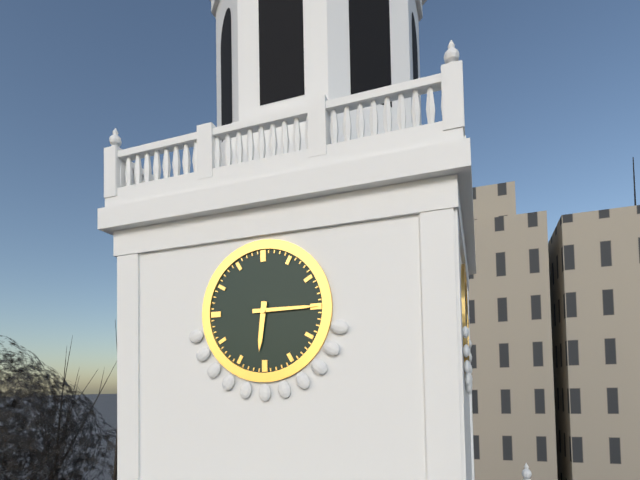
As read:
h=6 m=15
